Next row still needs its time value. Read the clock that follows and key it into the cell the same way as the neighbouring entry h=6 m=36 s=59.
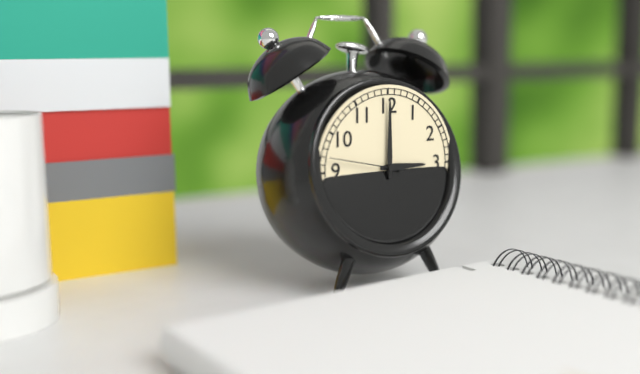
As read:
h=3 m=0 s=47
